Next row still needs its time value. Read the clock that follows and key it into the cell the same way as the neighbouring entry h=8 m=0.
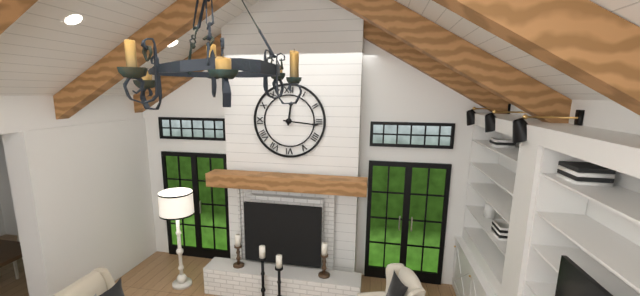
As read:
h=12 m=16
